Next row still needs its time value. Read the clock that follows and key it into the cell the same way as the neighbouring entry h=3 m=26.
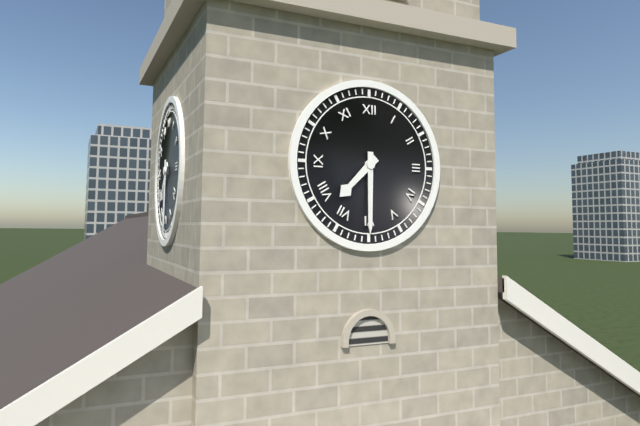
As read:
h=7 m=30
